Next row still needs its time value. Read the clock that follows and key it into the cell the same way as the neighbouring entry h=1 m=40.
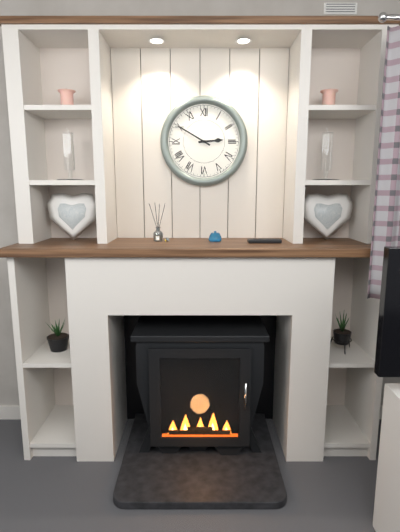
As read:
h=2 m=50
